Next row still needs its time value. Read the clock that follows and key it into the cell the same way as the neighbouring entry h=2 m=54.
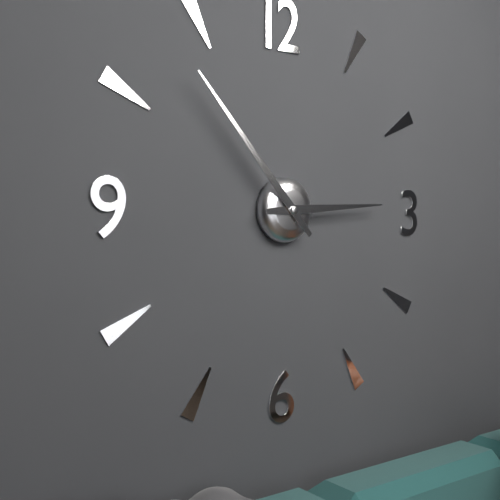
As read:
h=2 m=53
